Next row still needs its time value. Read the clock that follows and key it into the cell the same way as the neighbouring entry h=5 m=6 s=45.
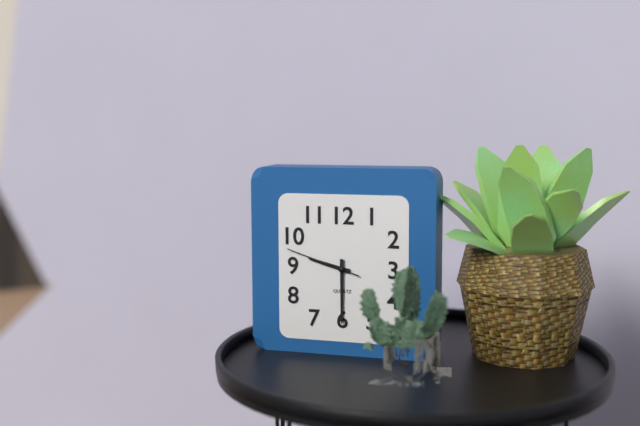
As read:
h=9 m=30 s=48
